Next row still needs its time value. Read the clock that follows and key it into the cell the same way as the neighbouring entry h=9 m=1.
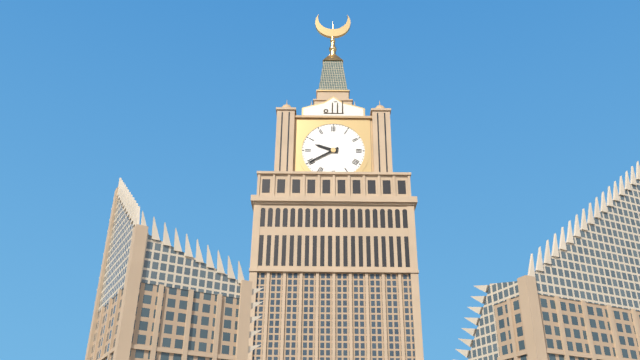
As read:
h=9 m=40
